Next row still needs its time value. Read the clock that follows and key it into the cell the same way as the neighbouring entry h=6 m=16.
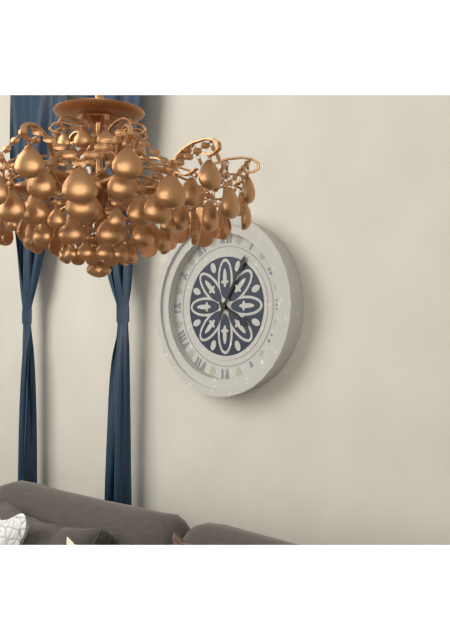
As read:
h=4 m=5
